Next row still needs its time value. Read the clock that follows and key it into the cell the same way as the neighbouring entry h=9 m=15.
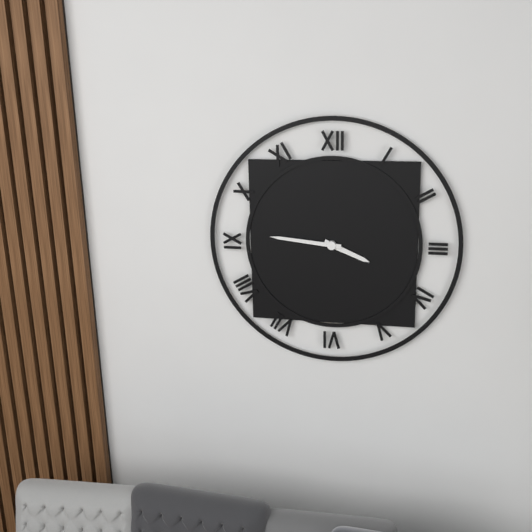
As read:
h=3 m=46
